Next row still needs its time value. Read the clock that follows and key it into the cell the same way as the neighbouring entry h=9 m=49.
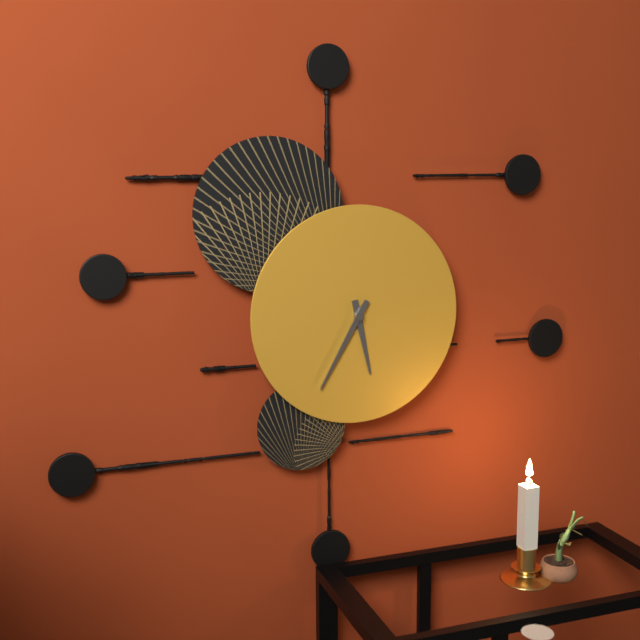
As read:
h=5 m=35
